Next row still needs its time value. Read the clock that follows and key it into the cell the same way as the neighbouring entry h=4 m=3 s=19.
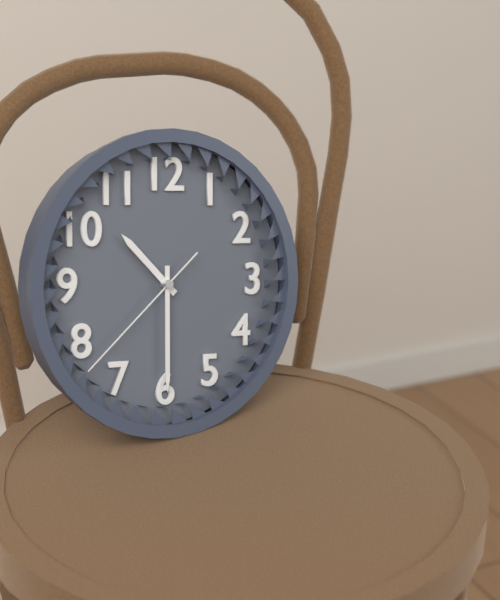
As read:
h=10 m=30 s=38
